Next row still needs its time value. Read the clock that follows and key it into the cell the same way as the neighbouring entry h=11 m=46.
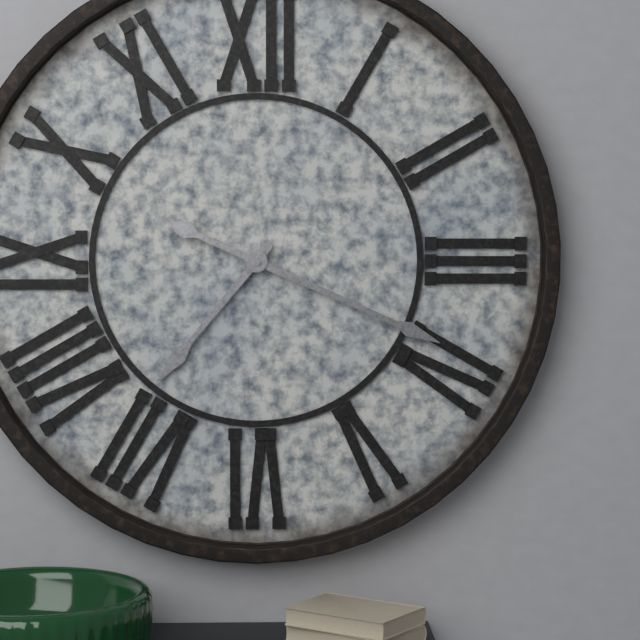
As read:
h=7 m=19
